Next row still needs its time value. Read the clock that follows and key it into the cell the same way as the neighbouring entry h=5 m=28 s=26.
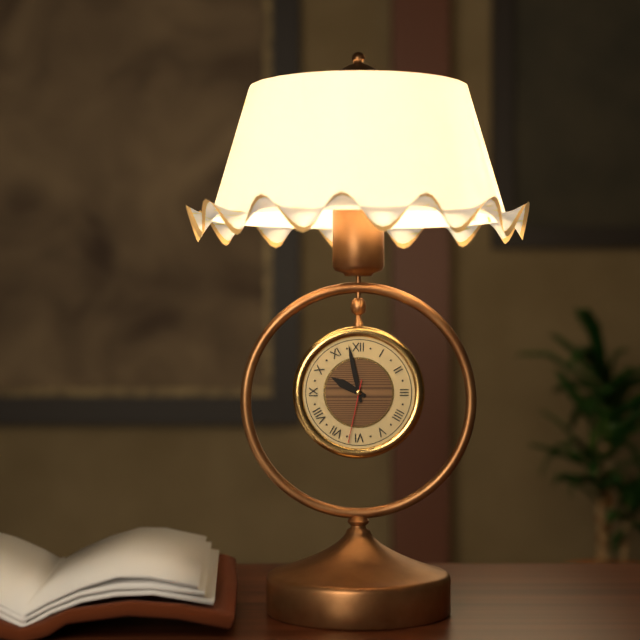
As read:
h=9 m=58 s=32
